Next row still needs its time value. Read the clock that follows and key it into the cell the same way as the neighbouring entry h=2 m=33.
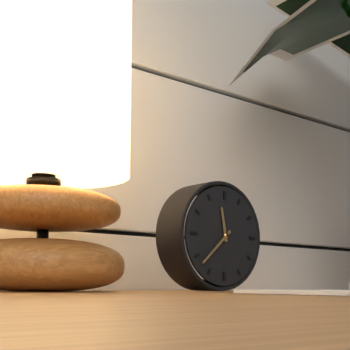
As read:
h=11 m=38
